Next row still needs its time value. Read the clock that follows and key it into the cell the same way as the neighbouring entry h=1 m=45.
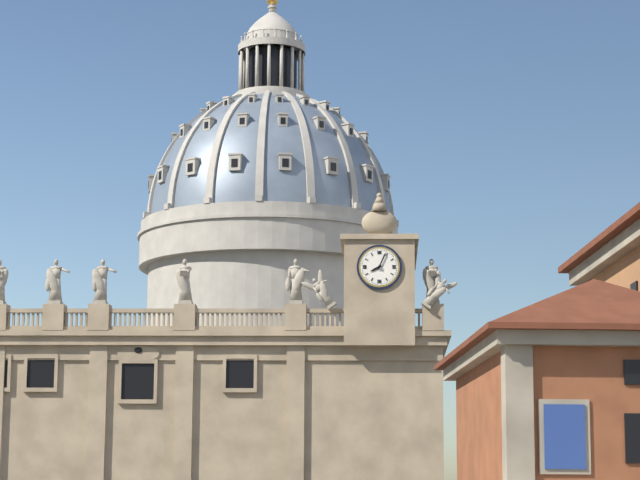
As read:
h=8 m=4
